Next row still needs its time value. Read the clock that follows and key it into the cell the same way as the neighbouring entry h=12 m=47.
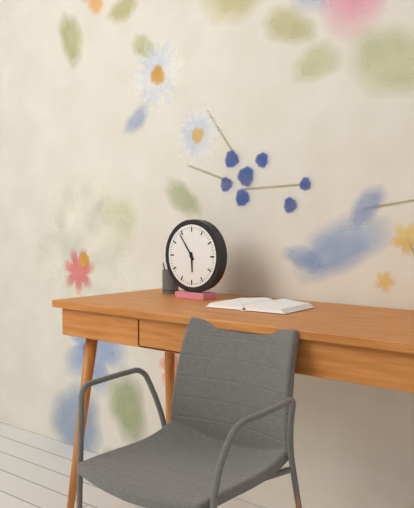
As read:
h=5 m=54
